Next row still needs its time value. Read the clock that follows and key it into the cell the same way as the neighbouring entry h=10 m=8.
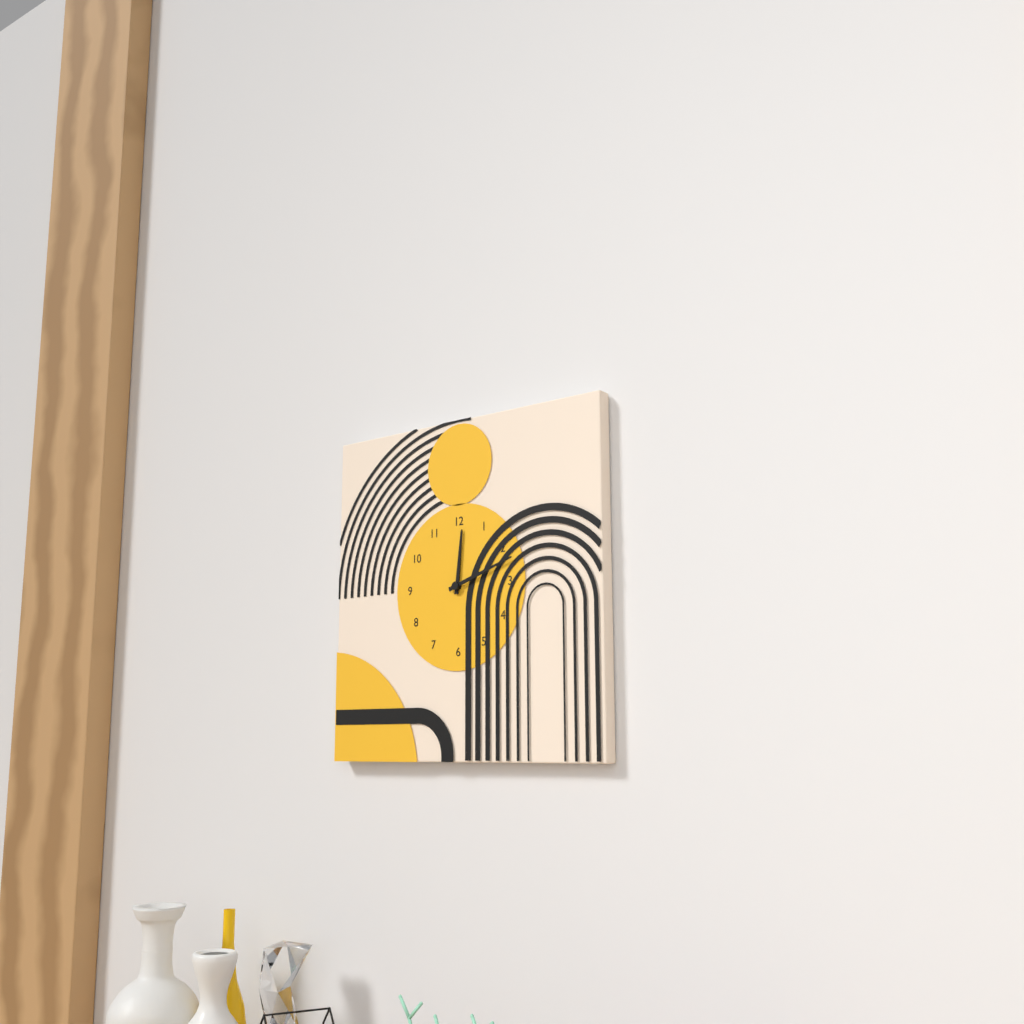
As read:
h=12 m=12
